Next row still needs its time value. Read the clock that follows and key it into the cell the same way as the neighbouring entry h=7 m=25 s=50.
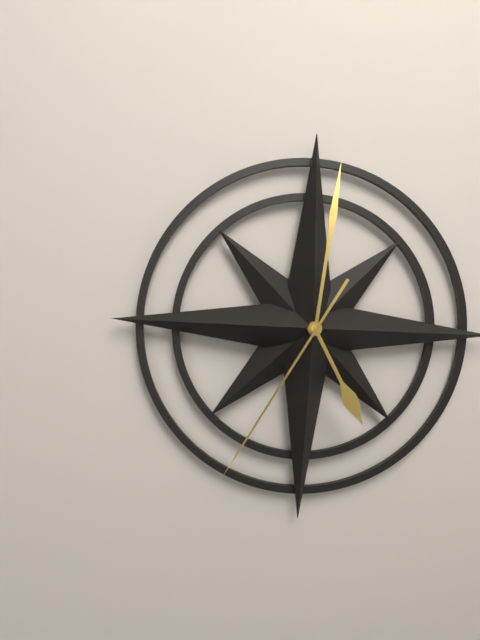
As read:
h=5 m=1 s=35
